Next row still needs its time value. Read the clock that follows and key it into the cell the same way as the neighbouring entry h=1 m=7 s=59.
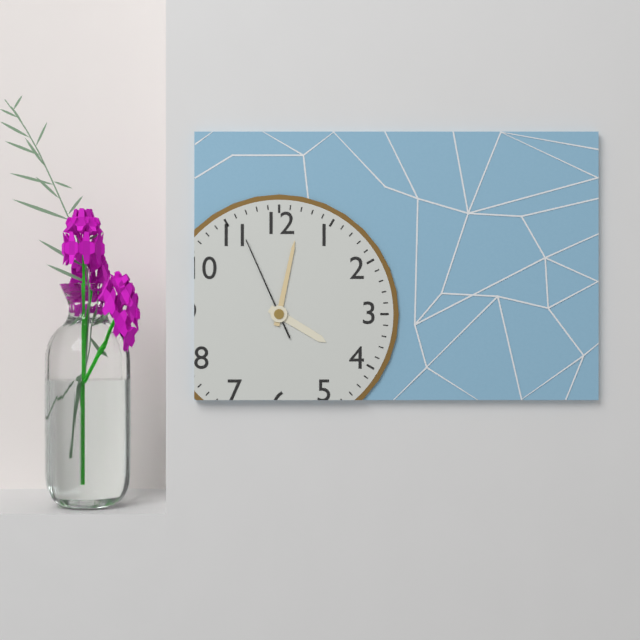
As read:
h=4 m=2 s=56
